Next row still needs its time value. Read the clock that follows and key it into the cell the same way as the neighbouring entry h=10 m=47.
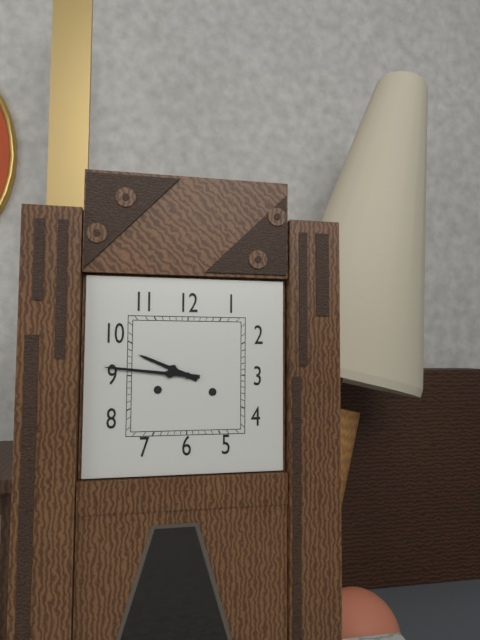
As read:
h=9 m=46
